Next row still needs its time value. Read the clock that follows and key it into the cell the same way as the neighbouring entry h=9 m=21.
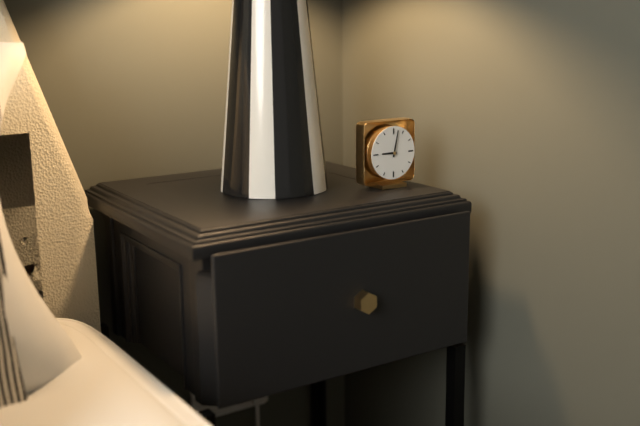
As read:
h=9 m=2
